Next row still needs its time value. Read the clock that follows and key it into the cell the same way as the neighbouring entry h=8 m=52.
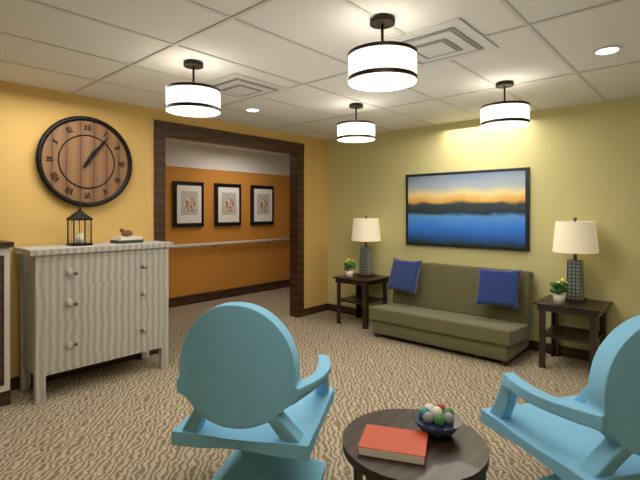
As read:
h=1 m=6
